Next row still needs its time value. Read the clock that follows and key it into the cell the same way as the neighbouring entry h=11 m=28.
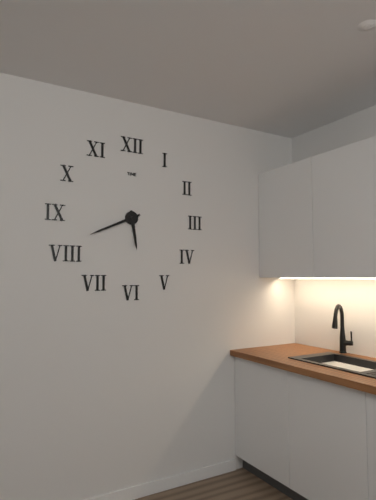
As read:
h=5 m=41
